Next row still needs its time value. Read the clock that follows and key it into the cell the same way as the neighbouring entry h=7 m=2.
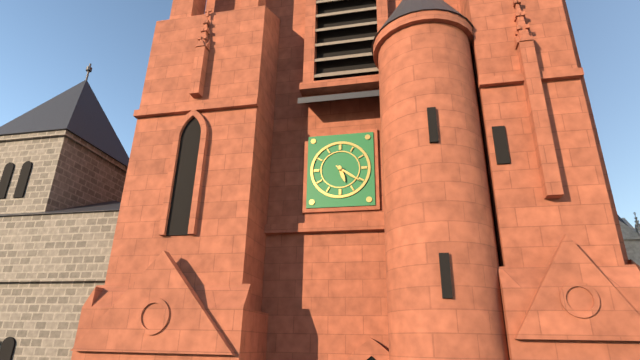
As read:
h=5 m=21
